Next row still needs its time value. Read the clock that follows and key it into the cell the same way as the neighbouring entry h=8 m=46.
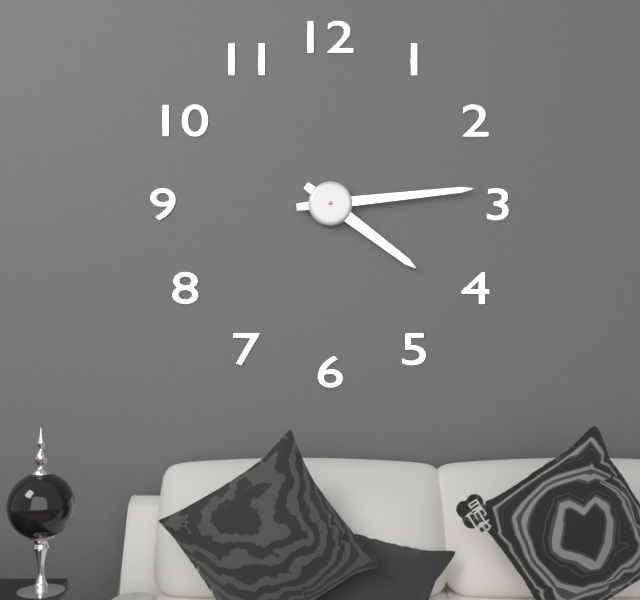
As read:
h=4 m=14
